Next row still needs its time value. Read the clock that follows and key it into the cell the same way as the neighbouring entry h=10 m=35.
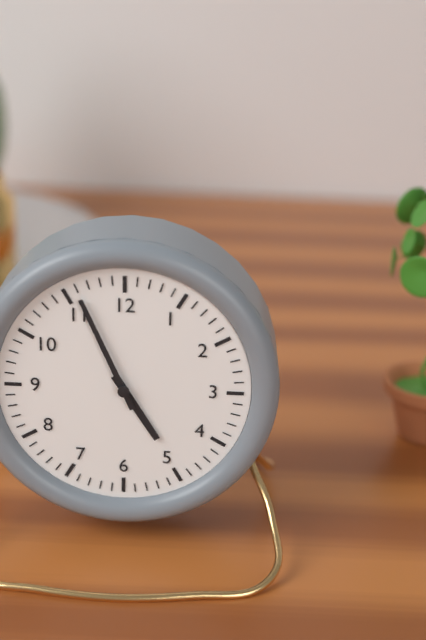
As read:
h=4 m=56
